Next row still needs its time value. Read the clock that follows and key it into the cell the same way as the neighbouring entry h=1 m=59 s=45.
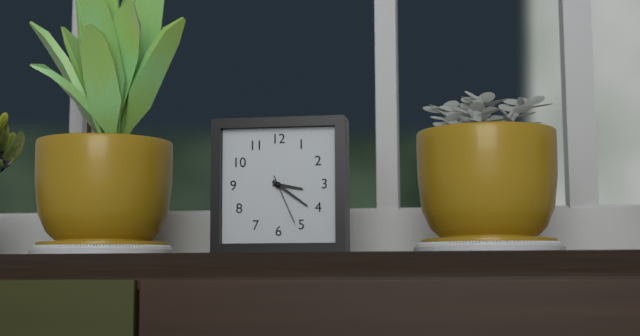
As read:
h=3 m=21 s=26
